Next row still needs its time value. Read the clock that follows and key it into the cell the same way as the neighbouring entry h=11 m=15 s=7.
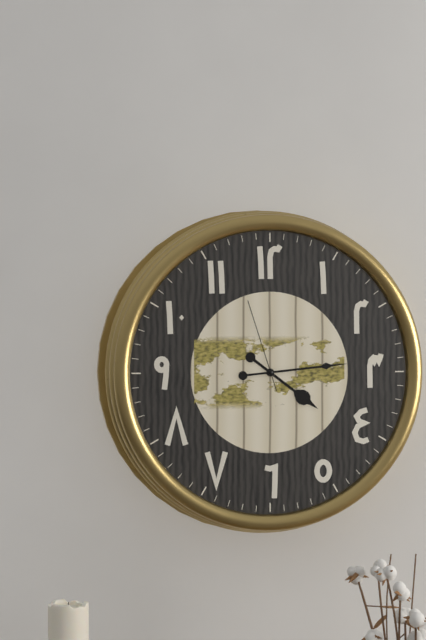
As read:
h=4 m=14 s=57
